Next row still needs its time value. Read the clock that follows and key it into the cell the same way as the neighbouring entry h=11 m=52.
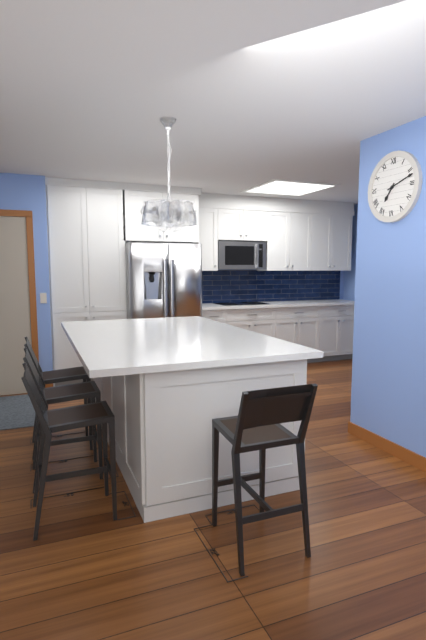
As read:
h=7 m=12
